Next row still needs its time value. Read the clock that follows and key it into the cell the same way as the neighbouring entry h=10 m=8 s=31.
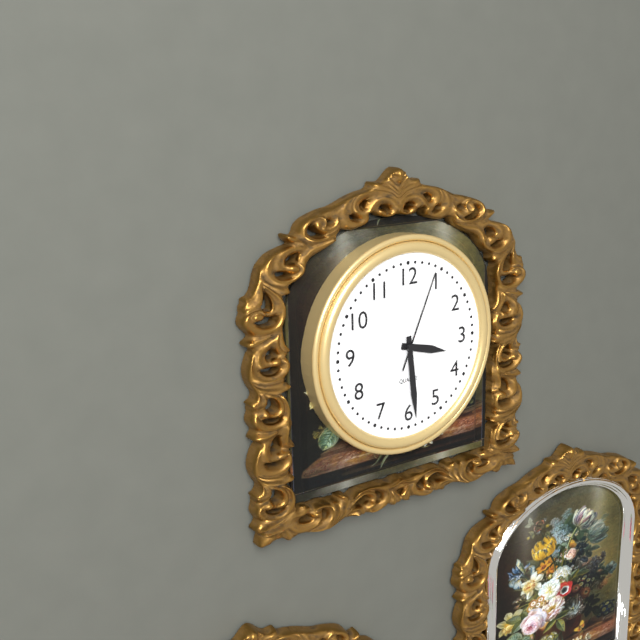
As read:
h=3 m=29 s=4
